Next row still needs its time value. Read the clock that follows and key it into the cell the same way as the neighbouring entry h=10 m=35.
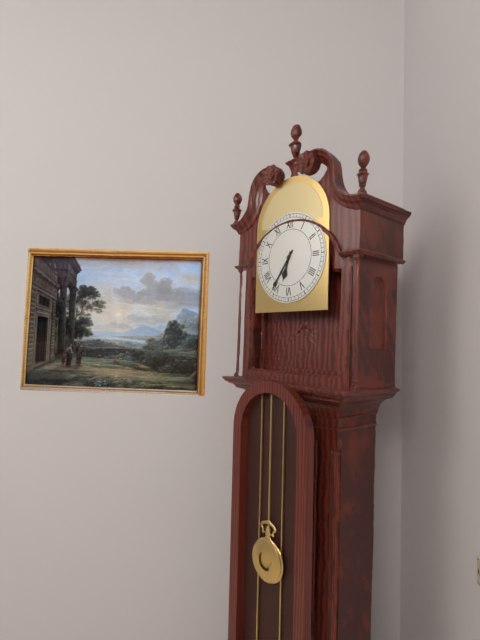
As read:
h=6 m=36
